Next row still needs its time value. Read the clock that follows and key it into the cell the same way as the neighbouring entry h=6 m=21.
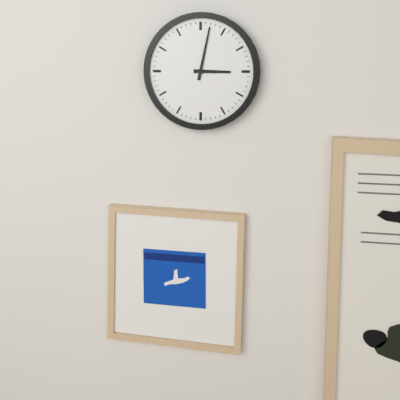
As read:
h=3 m=2
